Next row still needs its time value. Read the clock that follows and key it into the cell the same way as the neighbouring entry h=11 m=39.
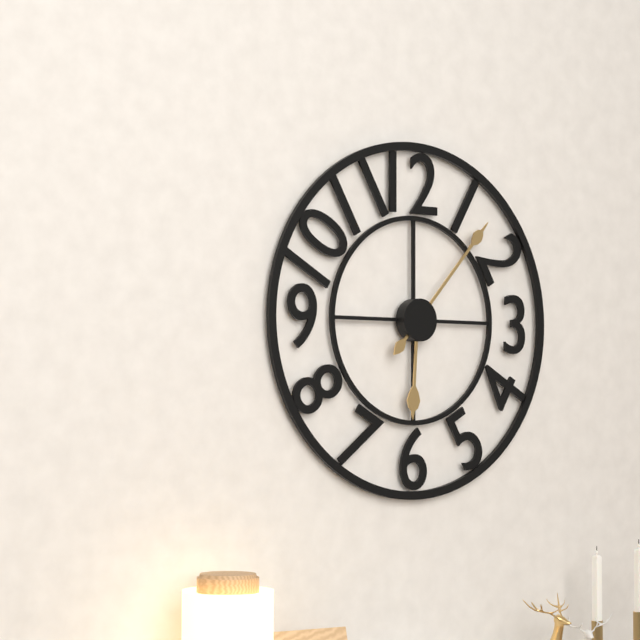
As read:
h=6 m=7
